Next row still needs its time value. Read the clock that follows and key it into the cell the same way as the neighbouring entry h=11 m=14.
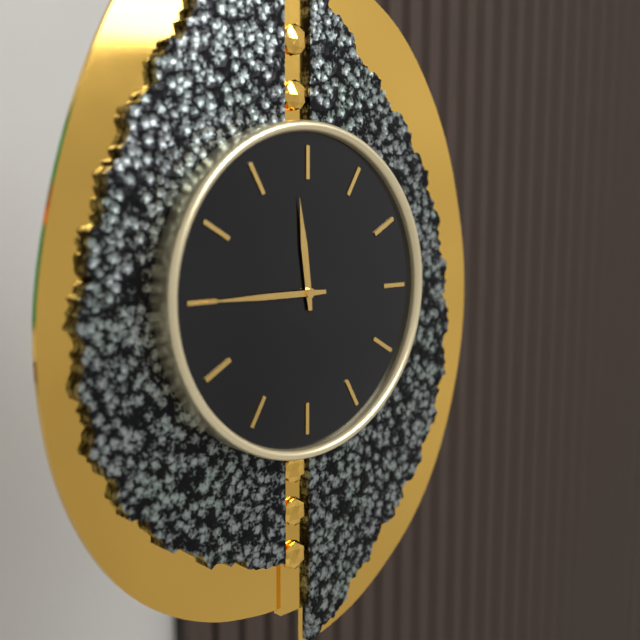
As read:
h=11 m=45
